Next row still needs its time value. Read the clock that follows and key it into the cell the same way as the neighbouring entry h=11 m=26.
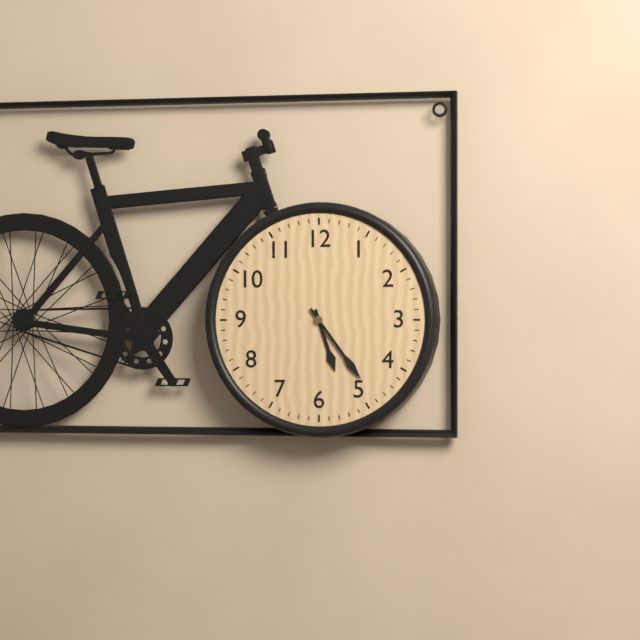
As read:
h=5 m=24
